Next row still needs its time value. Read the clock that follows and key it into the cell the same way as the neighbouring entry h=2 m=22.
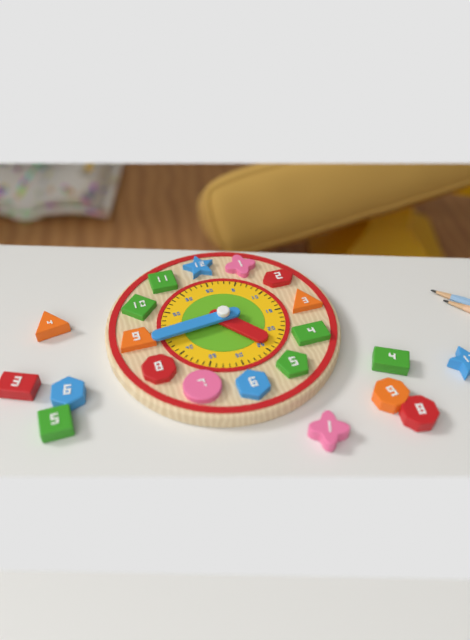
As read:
h=4 m=44
